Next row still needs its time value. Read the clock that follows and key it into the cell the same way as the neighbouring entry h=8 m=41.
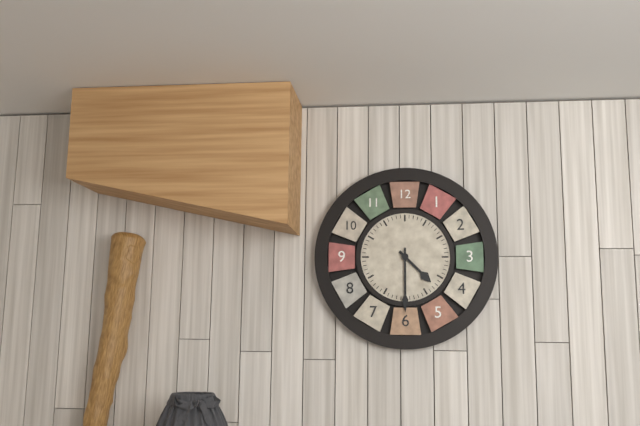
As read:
h=4 m=30
